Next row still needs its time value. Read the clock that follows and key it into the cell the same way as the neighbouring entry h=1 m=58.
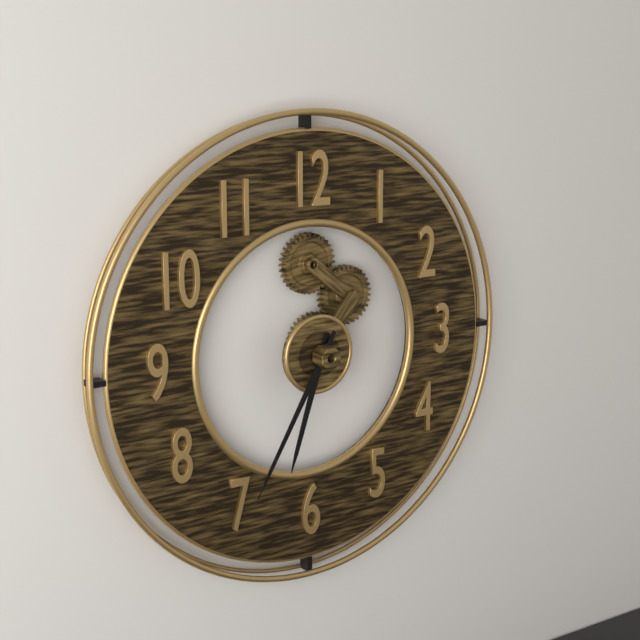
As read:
h=6 m=35
